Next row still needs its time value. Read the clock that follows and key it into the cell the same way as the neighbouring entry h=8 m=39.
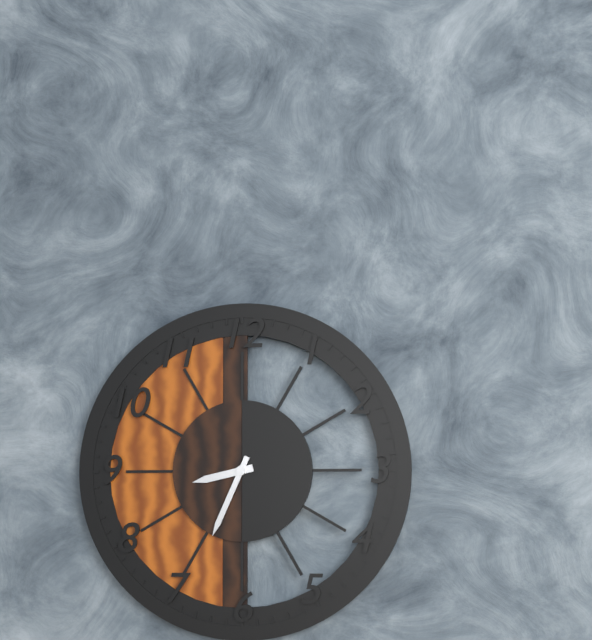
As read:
h=8 m=34
